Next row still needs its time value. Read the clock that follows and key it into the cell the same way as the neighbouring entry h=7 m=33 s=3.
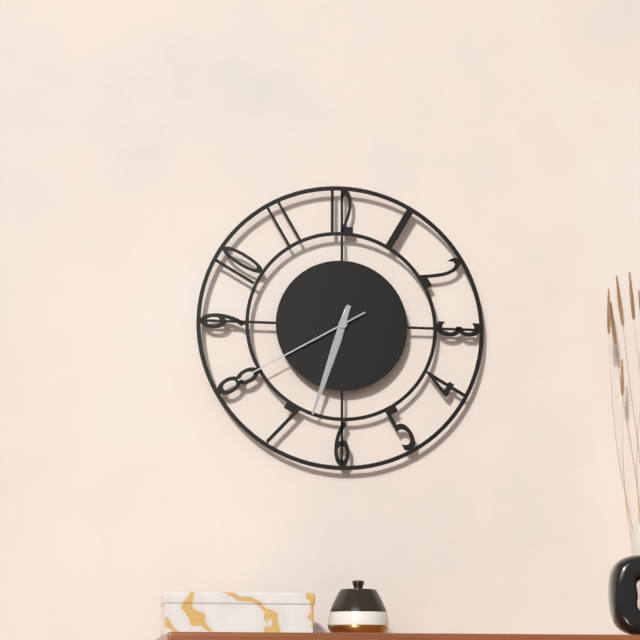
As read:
h=6 m=33 s=40
